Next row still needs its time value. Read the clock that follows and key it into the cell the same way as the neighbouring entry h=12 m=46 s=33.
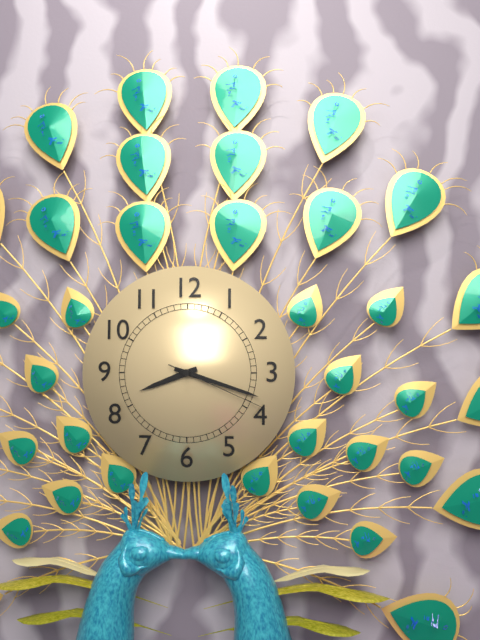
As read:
h=8 m=18 s=19
